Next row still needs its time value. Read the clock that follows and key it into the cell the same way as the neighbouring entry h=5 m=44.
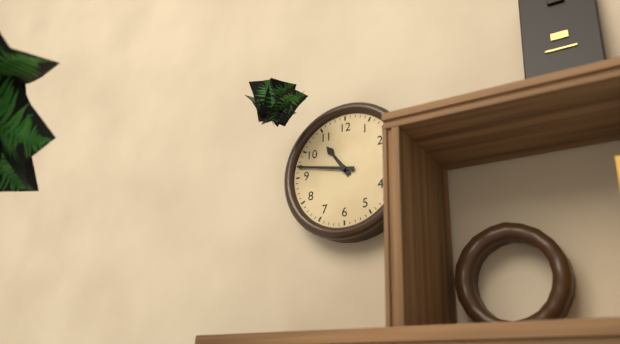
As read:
h=10 m=47
